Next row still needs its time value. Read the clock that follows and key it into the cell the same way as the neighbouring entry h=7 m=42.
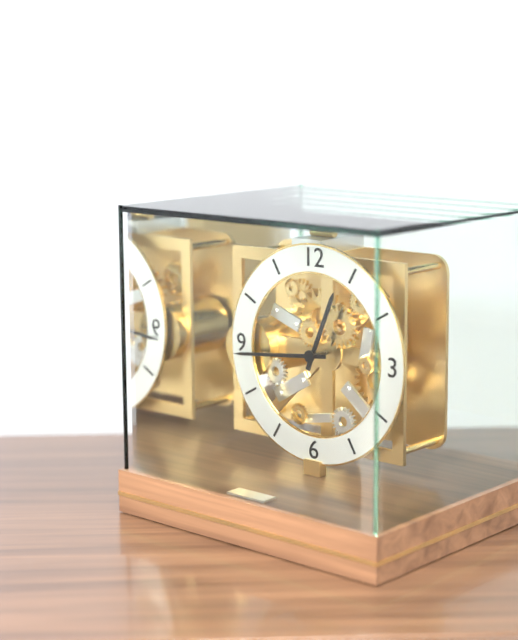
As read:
h=12 m=44
